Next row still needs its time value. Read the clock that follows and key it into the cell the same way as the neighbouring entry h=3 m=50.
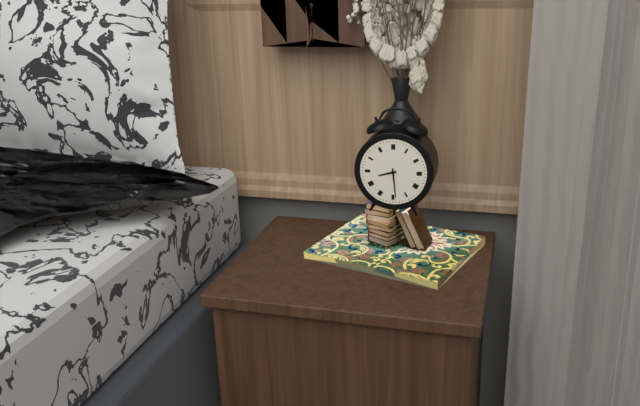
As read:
h=8 m=29
